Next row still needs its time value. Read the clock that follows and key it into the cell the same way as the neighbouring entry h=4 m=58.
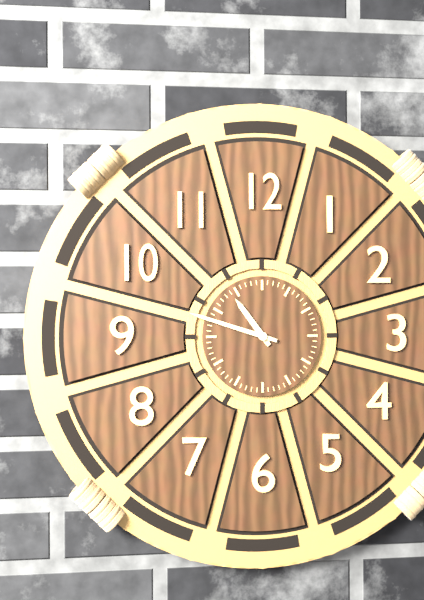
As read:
h=10 m=48
